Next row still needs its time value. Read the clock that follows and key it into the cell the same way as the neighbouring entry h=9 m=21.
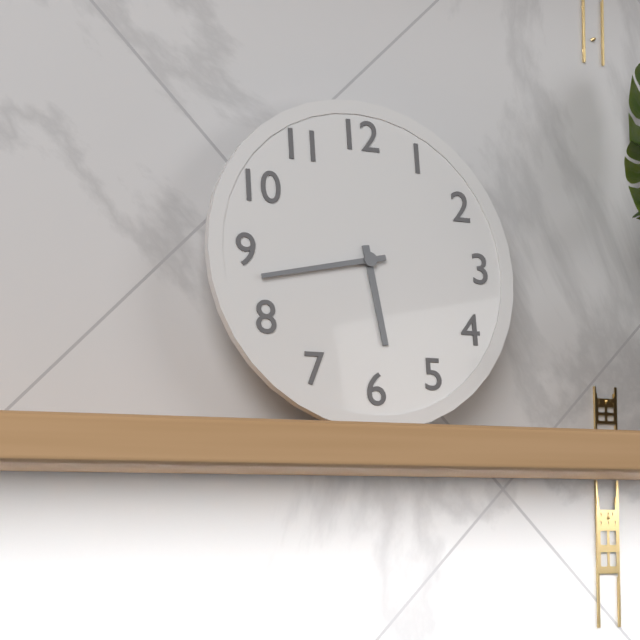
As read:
h=5 m=43
